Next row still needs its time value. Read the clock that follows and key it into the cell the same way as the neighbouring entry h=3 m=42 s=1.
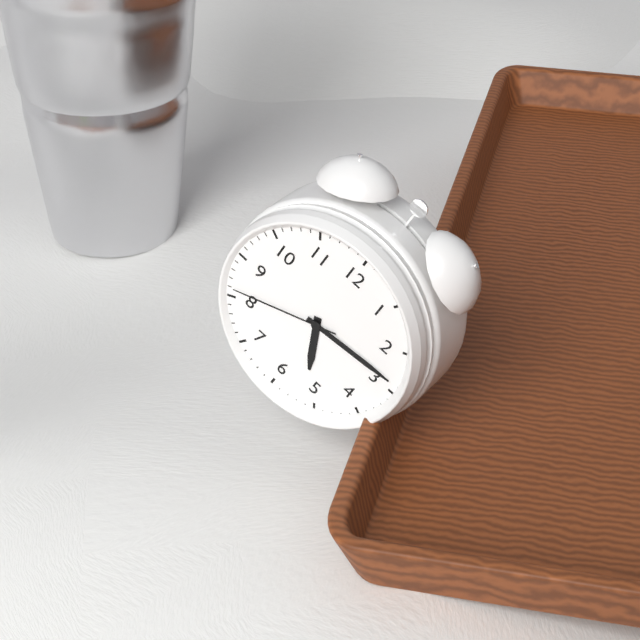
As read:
h=5 m=14 s=41
